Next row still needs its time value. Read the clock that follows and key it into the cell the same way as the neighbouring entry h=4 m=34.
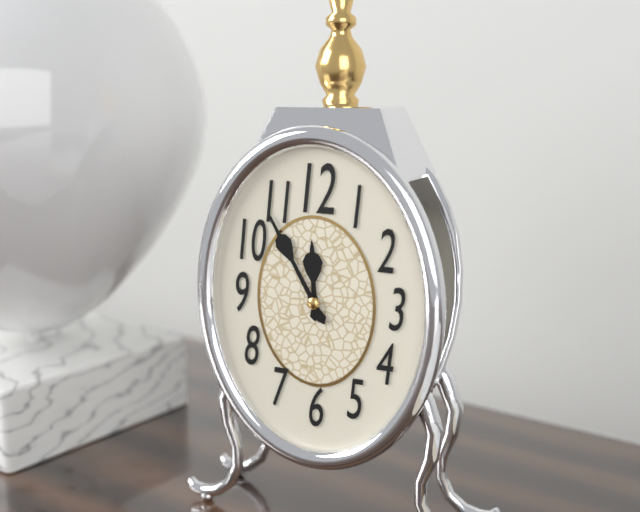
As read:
h=11 m=55
